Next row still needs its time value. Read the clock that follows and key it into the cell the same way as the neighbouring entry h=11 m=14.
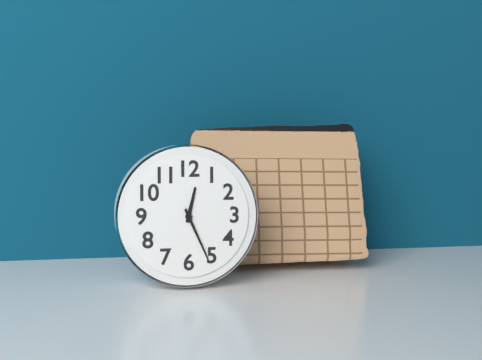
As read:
h=12 m=26
